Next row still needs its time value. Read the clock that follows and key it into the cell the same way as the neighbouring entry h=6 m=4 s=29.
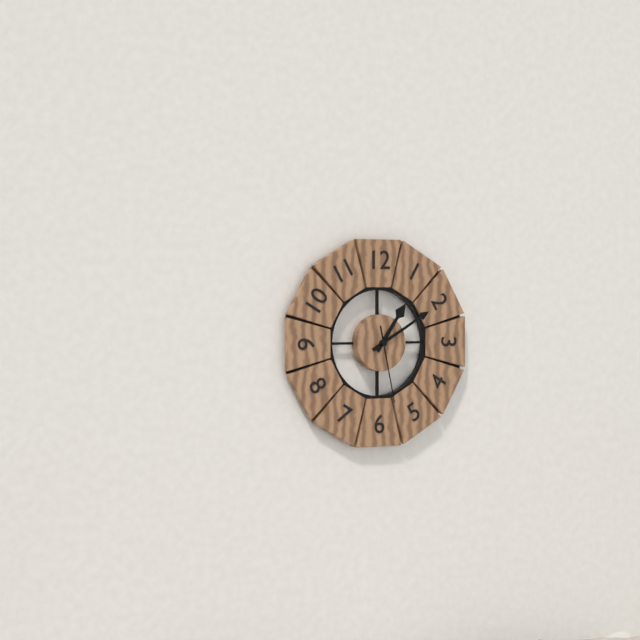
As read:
h=1 m=10 s=28
